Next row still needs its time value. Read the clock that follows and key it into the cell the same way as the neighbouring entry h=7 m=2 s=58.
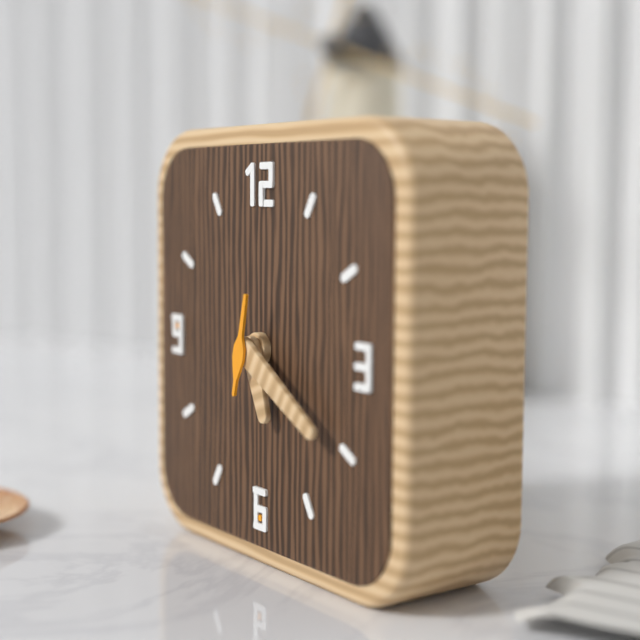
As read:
h=5 m=20 s=2
